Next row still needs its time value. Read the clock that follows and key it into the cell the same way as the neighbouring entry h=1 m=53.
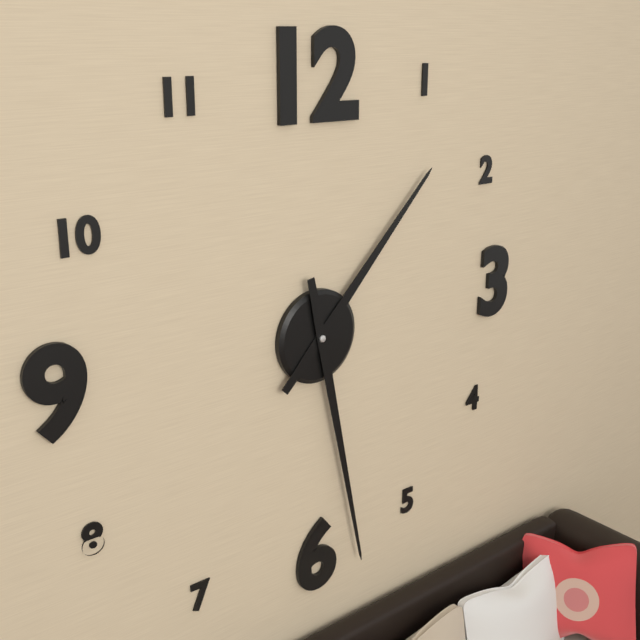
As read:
h=1 m=28
